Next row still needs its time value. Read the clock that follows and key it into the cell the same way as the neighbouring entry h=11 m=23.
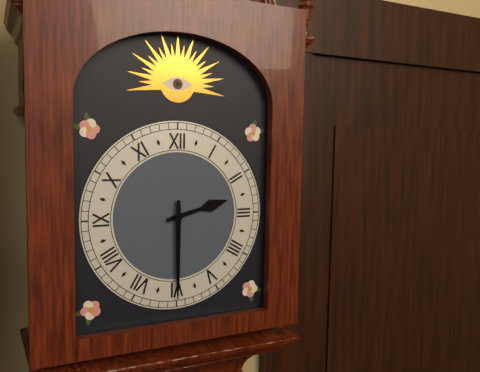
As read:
h=2 m=30
